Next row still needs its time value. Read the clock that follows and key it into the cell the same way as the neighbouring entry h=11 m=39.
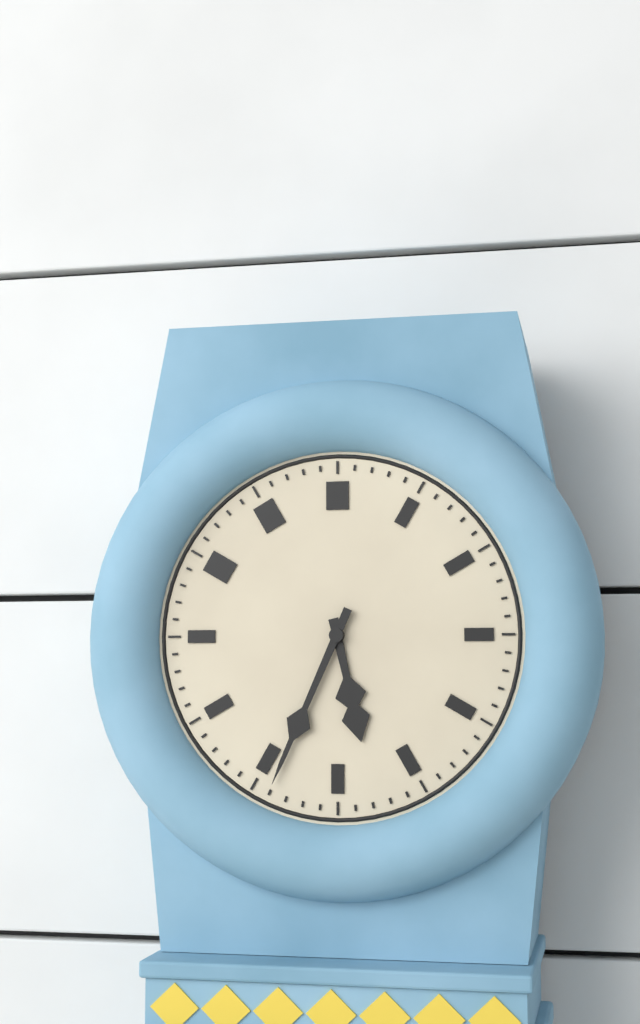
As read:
h=5 m=34
